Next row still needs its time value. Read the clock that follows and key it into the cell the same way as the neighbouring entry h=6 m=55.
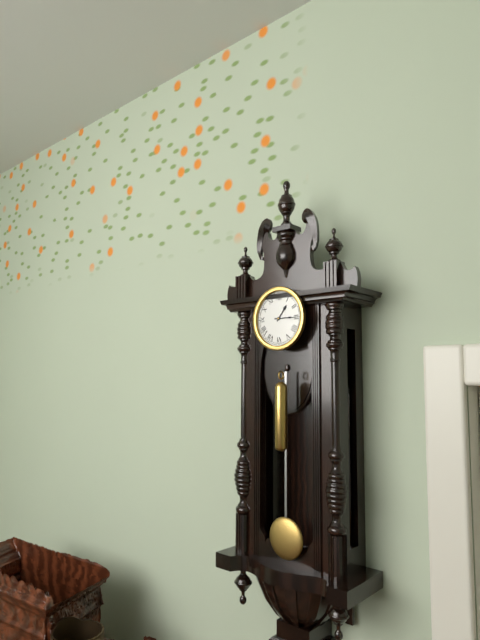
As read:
h=1 m=15
